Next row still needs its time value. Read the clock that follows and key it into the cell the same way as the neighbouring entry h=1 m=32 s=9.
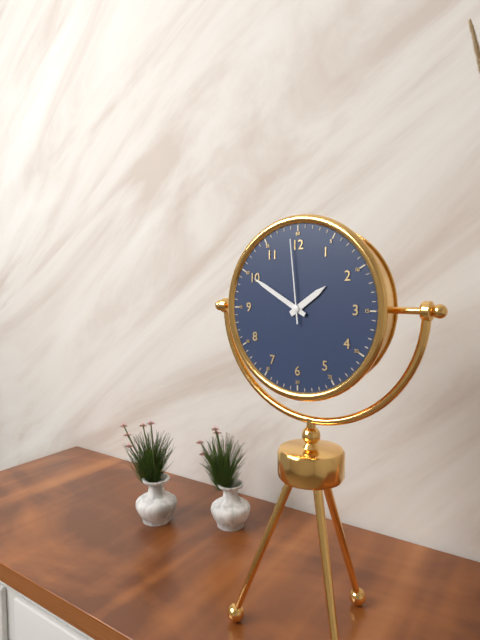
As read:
h=1 m=50 s=59
